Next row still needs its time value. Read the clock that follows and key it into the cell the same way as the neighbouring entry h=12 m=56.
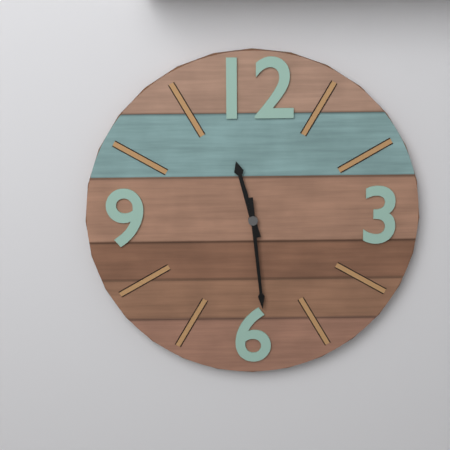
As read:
h=11 m=29
